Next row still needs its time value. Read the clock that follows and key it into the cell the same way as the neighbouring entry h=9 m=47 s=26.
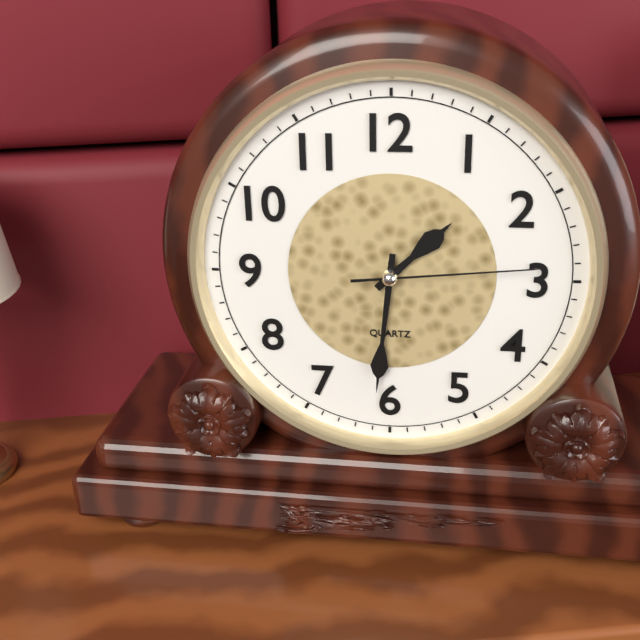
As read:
h=1 m=31 s=14
